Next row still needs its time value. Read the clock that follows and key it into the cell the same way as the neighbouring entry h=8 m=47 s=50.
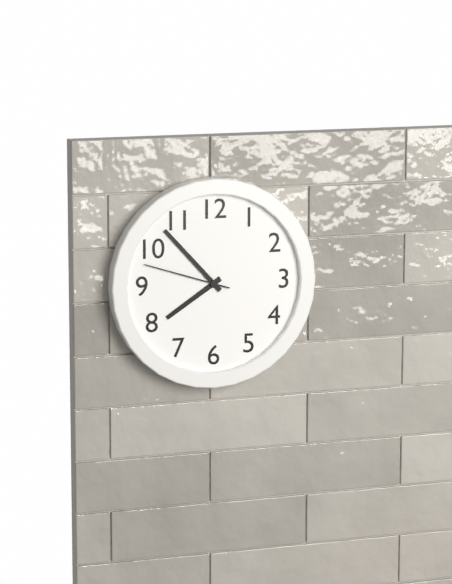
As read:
h=7 m=53 s=48
